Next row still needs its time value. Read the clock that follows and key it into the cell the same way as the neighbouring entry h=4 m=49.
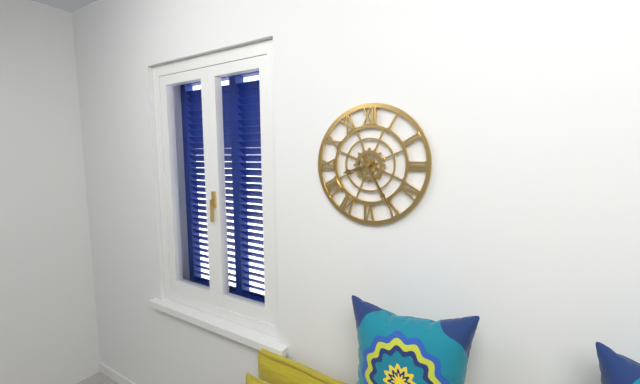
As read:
h=8 m=25
